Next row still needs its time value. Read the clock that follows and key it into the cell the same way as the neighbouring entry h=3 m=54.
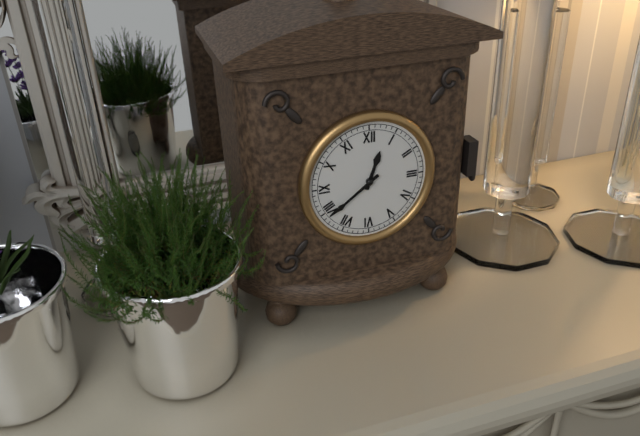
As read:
h=12 m=39
